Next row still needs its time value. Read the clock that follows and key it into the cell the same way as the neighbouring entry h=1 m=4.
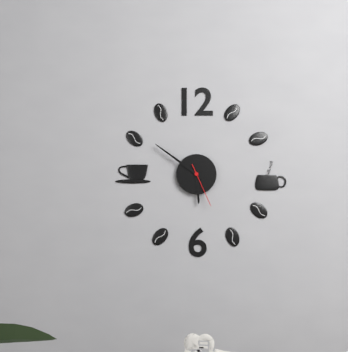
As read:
h=5 m=51
